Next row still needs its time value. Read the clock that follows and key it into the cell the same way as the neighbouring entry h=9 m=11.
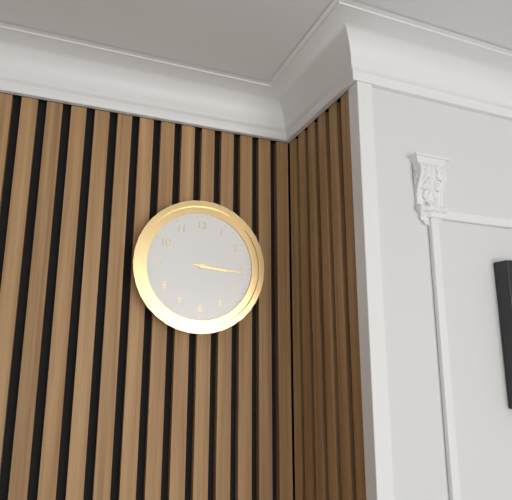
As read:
h=3 m=16
